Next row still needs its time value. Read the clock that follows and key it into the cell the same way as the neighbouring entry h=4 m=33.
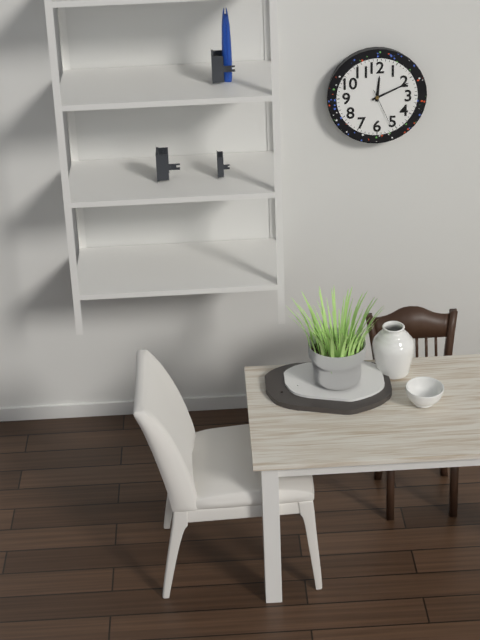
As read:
h=12 m=11
